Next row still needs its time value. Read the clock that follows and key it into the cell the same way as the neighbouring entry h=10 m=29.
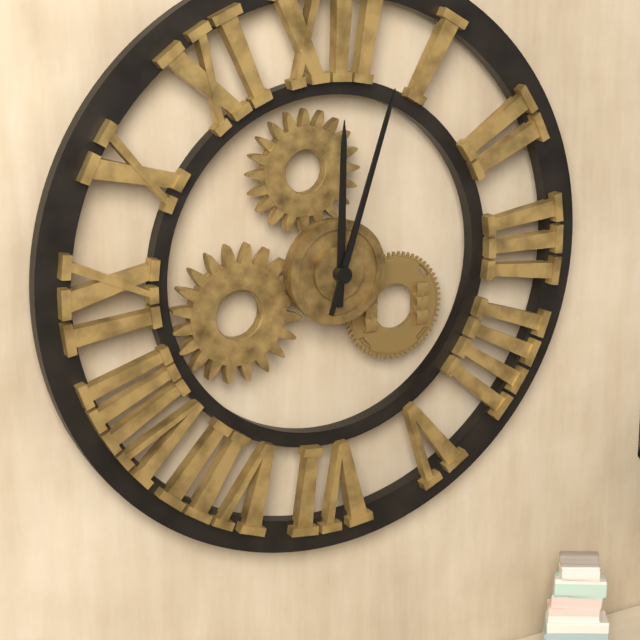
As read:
h=12 m=3
